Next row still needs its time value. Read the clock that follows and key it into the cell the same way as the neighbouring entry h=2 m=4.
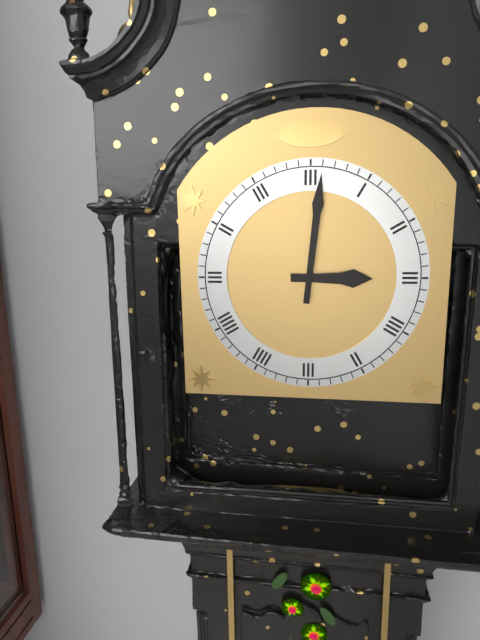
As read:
h=3 m=1
